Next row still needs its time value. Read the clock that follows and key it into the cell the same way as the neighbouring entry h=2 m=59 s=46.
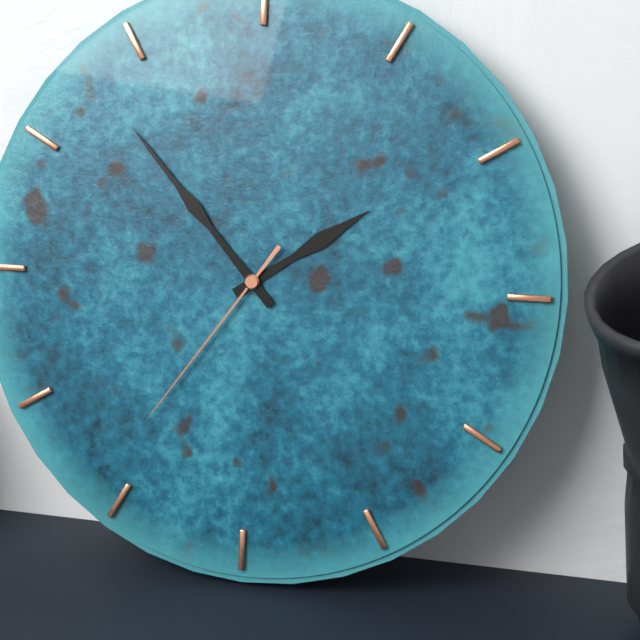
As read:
h=1 m=53 s=36
